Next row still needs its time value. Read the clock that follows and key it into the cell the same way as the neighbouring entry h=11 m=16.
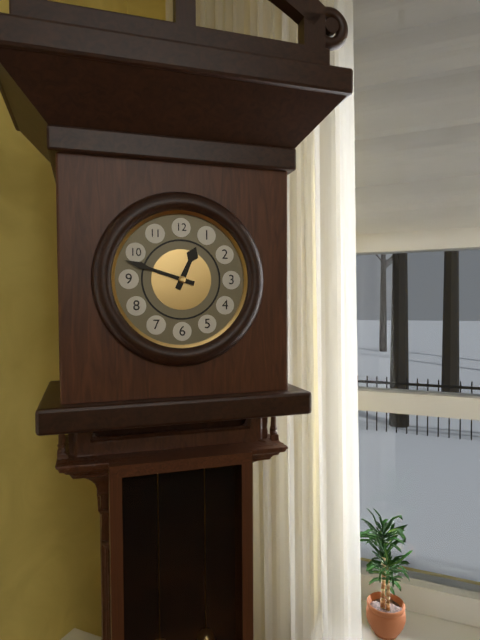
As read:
h=12 m=48
